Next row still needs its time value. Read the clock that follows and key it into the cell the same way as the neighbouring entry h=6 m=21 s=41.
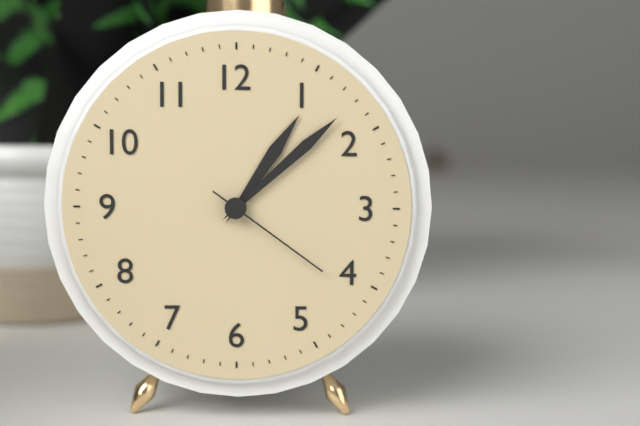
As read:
h=1 m=8 s=21
